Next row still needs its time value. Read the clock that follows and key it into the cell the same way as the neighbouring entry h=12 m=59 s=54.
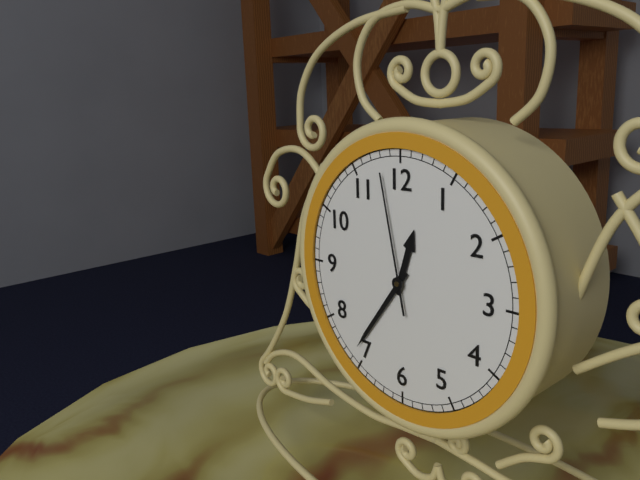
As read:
h=12 m=36 s=58
